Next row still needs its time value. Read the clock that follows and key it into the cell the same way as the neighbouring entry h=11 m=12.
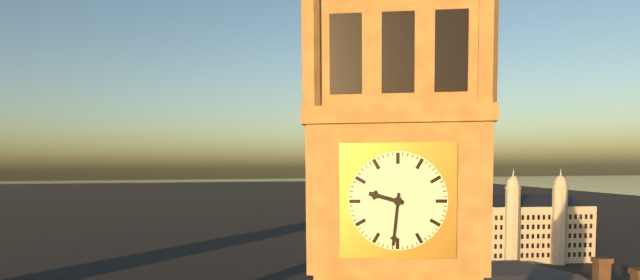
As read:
h=9 m=31
